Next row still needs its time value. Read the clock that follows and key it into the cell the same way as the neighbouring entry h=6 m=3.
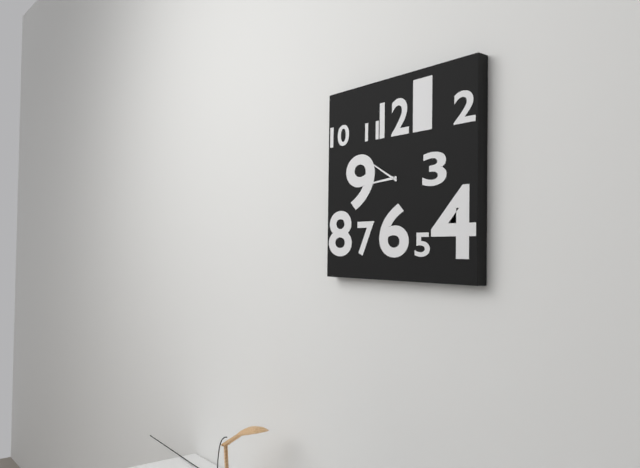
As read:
h=8 m=50
